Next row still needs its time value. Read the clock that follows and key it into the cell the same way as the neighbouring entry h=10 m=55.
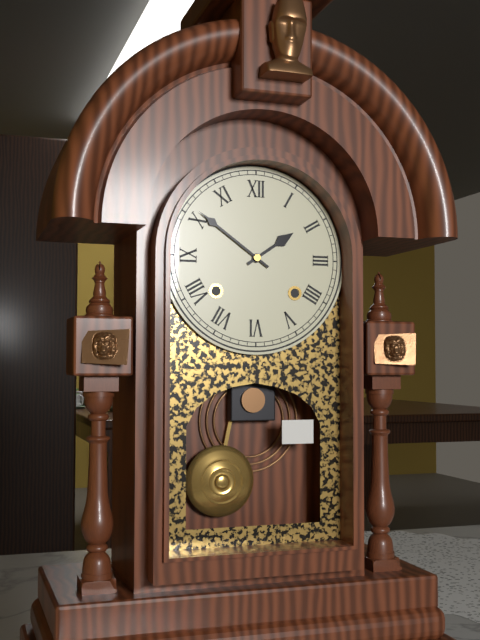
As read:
h=1 m=51
